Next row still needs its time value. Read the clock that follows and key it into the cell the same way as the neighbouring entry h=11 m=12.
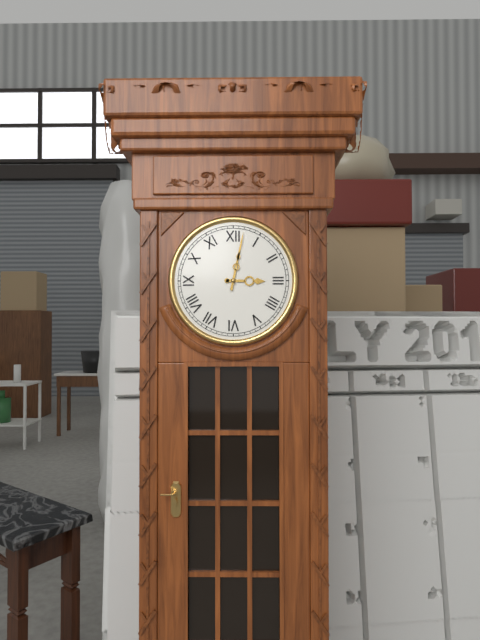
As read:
h=3 m=2
